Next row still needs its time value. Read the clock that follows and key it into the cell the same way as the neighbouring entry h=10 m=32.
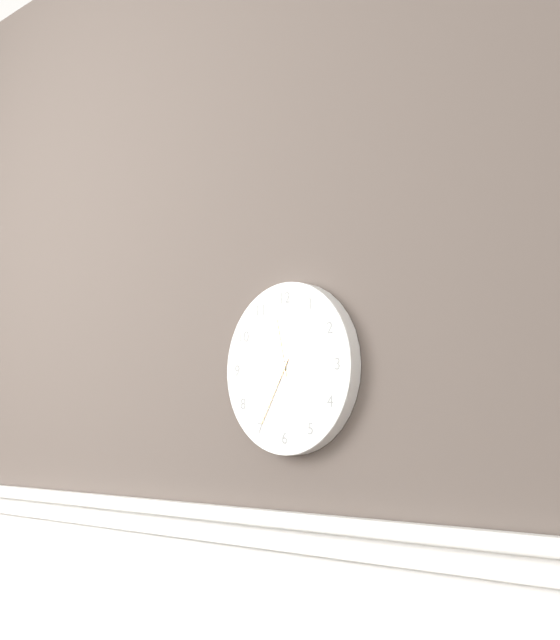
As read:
h=11 m=35
